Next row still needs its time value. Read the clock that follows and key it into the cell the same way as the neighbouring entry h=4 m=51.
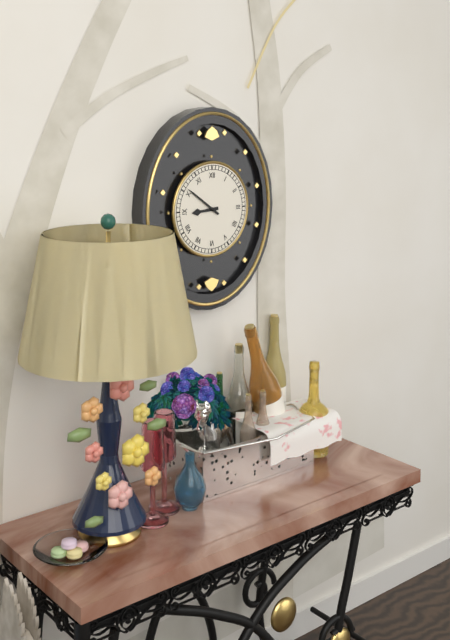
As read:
h=8 m=51
